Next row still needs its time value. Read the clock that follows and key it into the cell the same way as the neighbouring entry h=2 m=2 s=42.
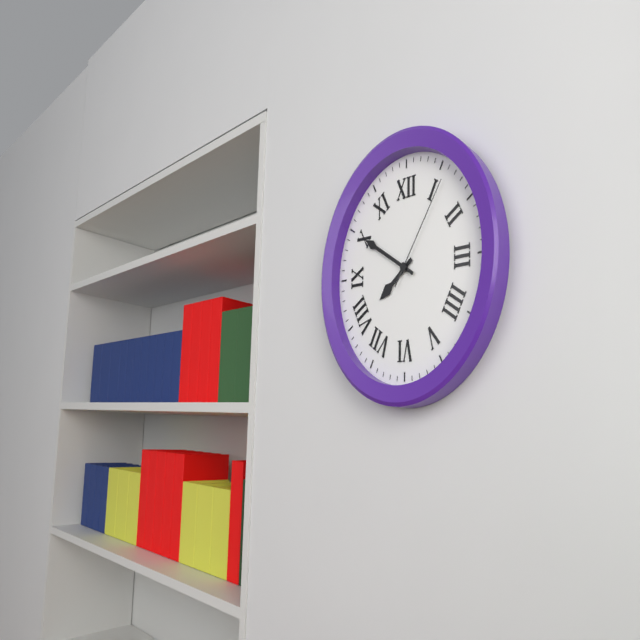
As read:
h=7 m=50 s=6
